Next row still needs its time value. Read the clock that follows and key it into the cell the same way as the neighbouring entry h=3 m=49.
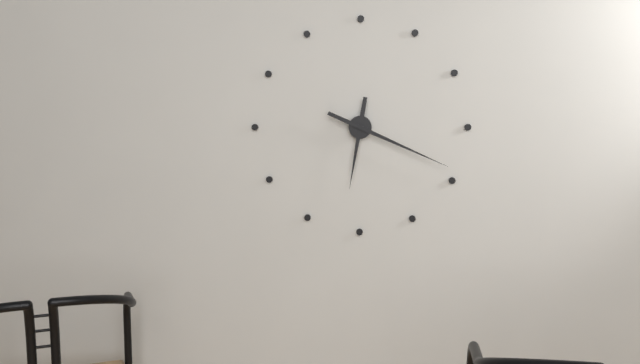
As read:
h=6 m=19
